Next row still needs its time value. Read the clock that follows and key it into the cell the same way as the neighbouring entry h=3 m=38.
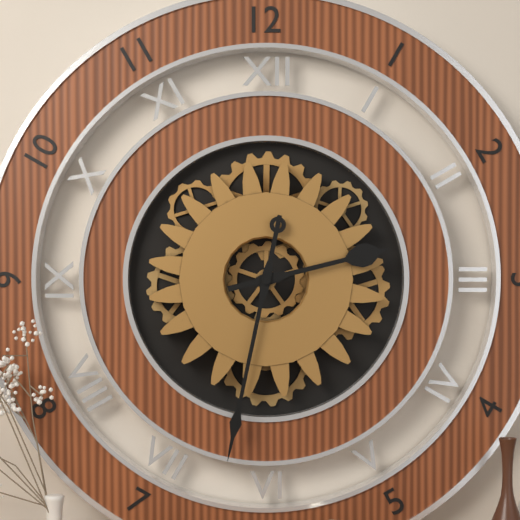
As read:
h=2 m=32
